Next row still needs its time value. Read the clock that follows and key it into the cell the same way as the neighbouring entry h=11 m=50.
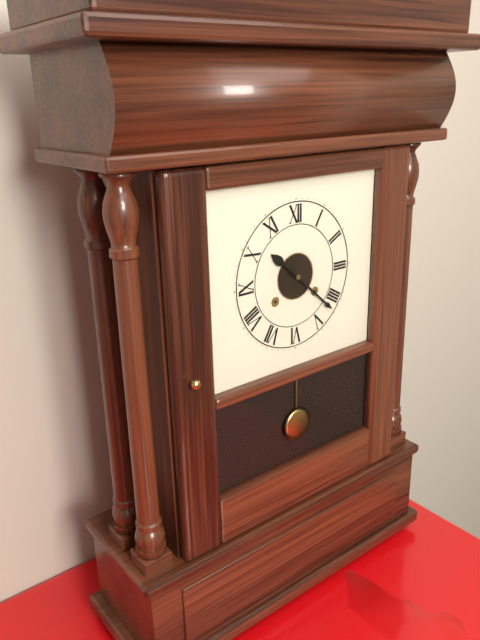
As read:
h=10 m=22
